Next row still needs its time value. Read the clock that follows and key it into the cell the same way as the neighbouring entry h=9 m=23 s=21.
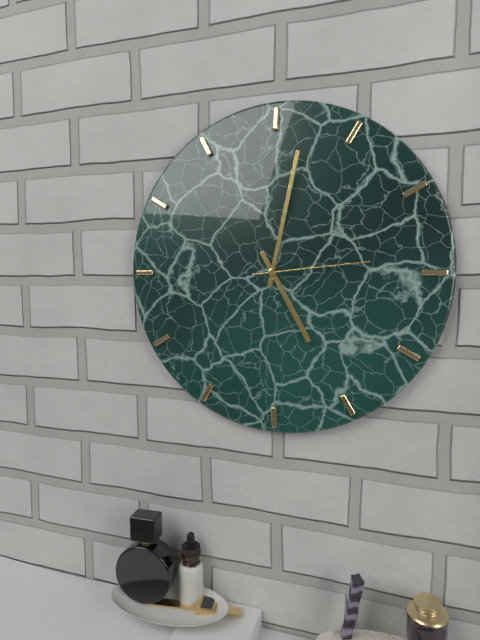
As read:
h=5 m=2 s=14
